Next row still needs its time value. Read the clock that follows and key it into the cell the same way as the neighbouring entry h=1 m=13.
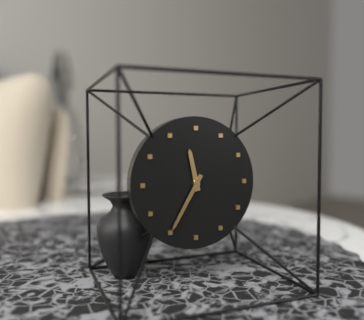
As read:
h=11 m=35
